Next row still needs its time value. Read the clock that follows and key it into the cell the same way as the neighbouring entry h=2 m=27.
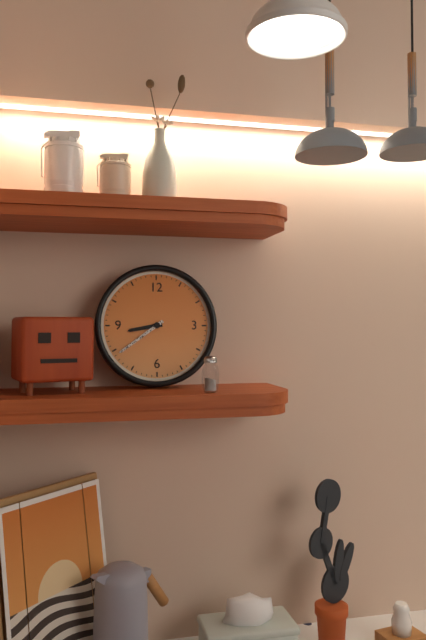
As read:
h=8 m=39
